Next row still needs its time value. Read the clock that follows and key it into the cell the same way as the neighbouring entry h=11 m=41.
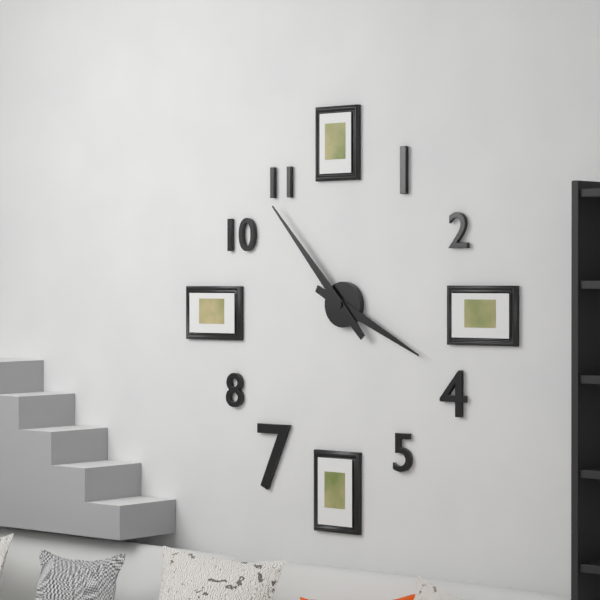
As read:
h=3 m=53
